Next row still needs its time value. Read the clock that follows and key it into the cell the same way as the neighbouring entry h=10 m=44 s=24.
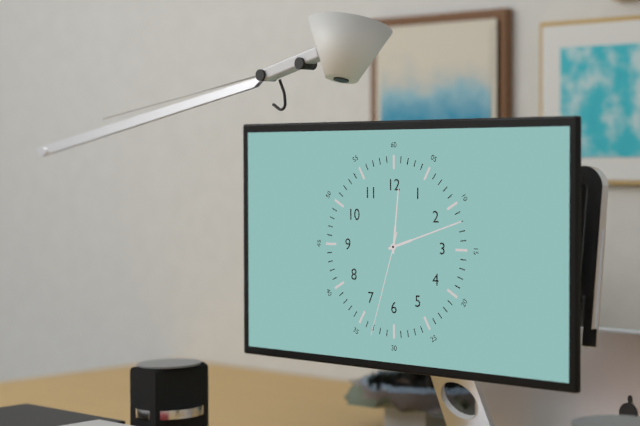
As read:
h=12 m=12 s=33
